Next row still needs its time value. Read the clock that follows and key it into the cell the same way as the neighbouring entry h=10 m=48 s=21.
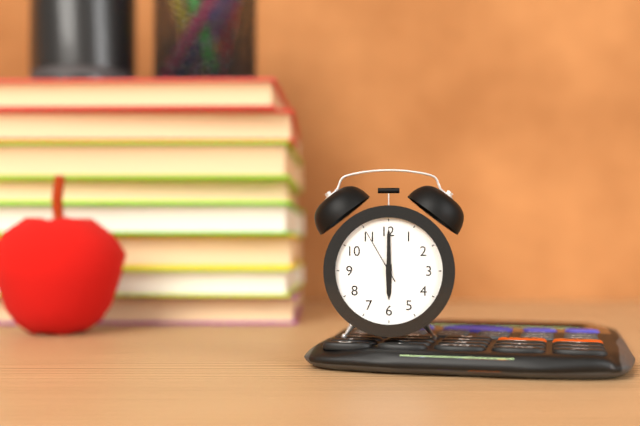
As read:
h=6 m=0 s=55
